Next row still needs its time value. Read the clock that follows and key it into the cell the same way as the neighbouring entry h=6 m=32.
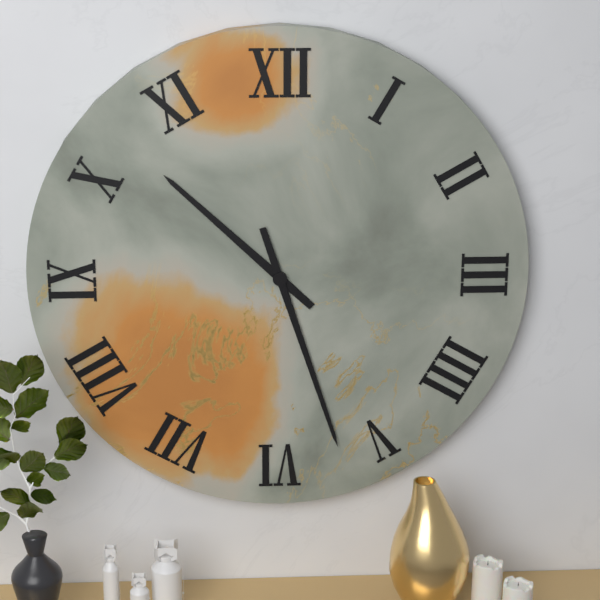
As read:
h=10 m=27
